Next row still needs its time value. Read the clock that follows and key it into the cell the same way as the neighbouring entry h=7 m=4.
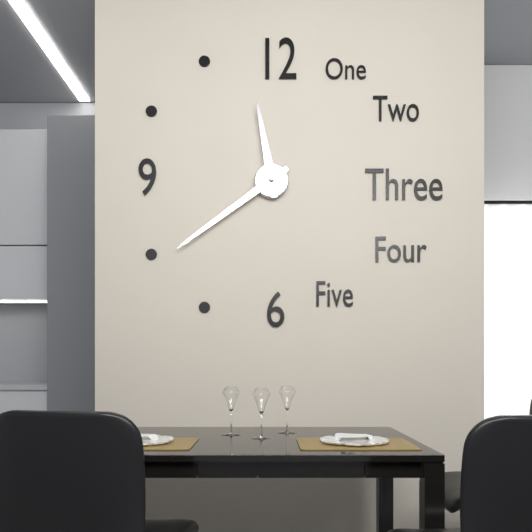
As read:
h=11 m=39
